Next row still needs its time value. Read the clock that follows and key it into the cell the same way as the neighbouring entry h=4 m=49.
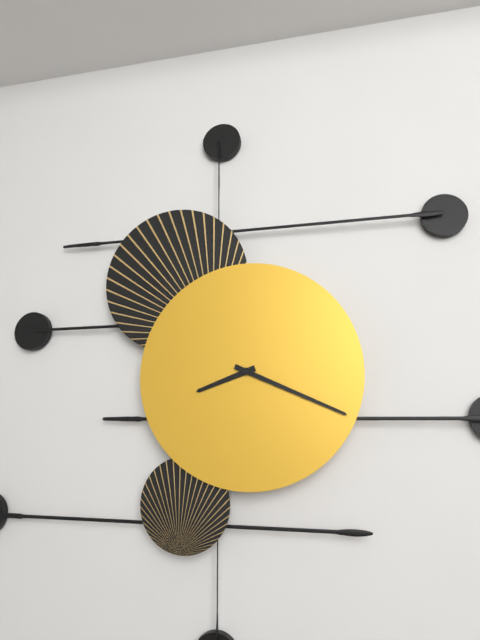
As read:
h=8 m=19
